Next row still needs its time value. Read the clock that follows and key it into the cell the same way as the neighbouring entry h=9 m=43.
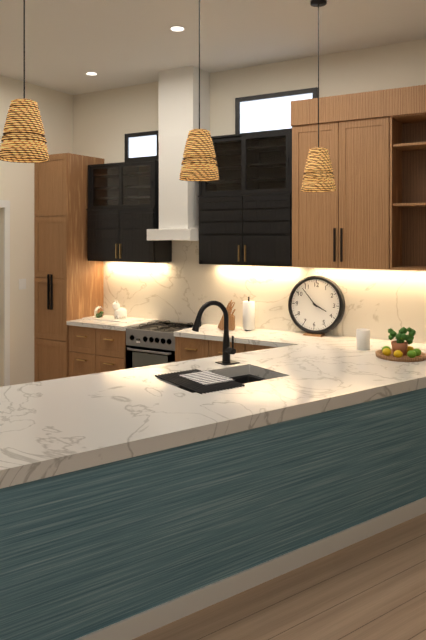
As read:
h=3 m=53
